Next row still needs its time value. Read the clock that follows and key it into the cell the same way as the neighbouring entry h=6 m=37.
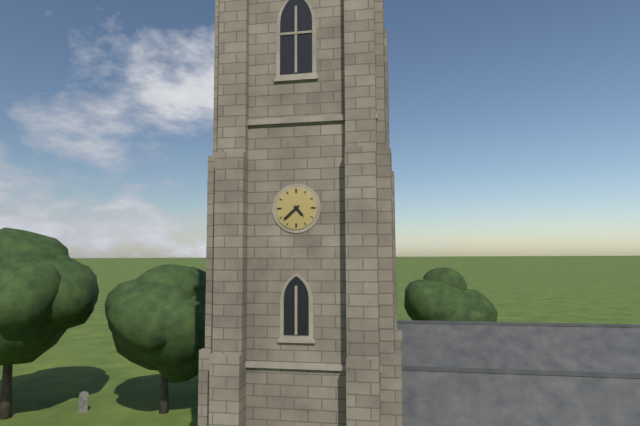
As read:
h=4 m=38
